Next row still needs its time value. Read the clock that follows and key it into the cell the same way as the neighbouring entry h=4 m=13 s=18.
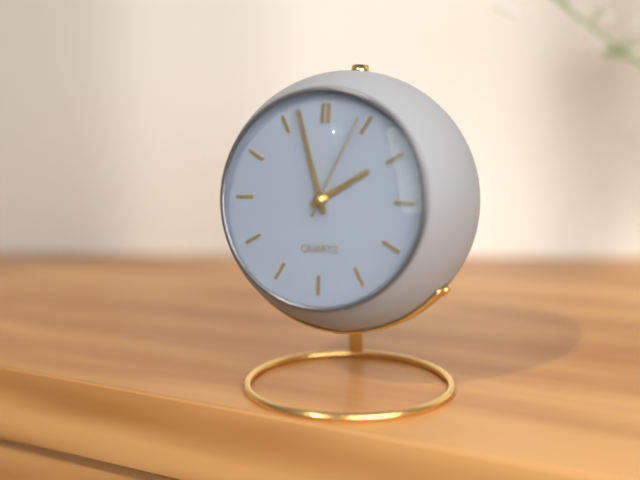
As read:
h=1 m=57 s=4
